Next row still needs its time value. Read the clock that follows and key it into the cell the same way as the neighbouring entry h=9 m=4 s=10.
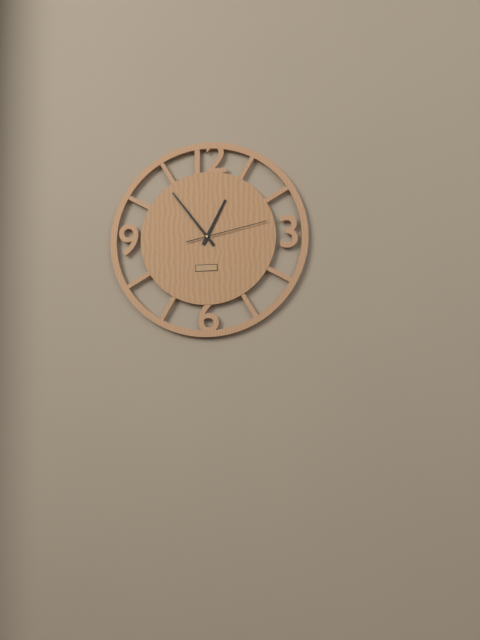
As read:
h=12 m=54 s=13
